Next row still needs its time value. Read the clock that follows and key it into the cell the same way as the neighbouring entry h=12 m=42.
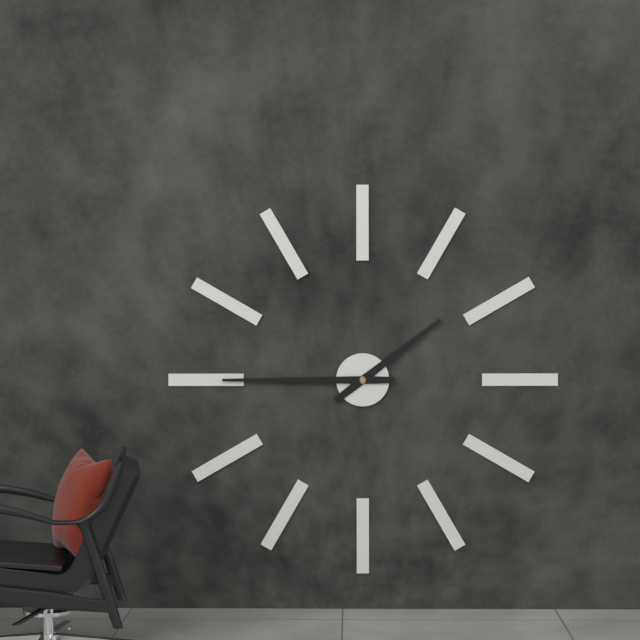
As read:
h=1 m=45
